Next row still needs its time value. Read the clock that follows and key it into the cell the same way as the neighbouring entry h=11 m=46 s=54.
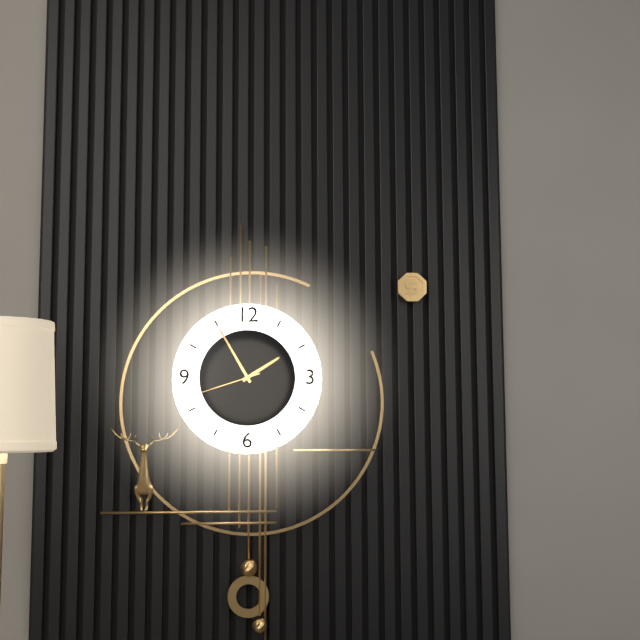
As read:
h=1 m=55 s=42
